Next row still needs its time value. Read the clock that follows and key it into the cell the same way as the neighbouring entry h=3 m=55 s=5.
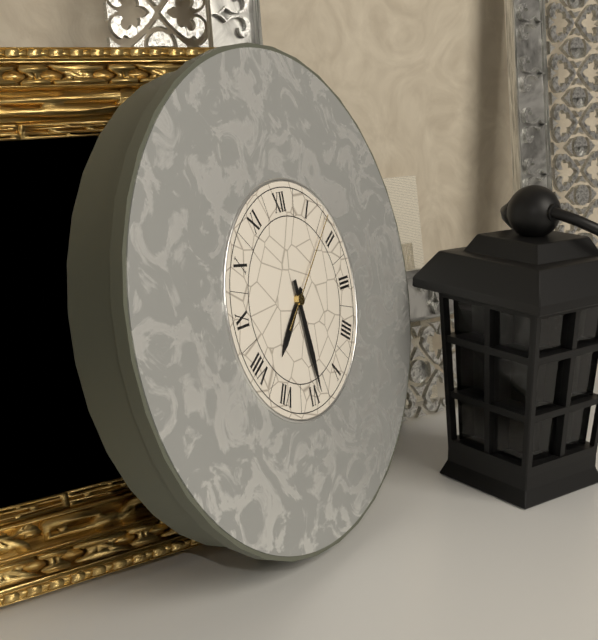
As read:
h=7 m=29 s=8
